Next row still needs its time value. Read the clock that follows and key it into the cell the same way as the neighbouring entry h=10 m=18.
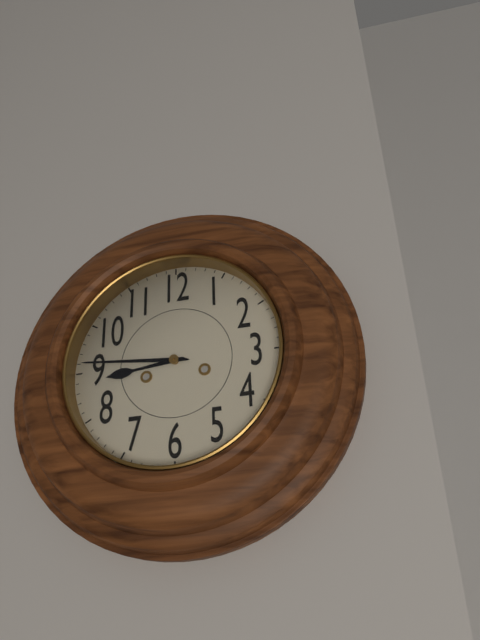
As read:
h=8 m=46
